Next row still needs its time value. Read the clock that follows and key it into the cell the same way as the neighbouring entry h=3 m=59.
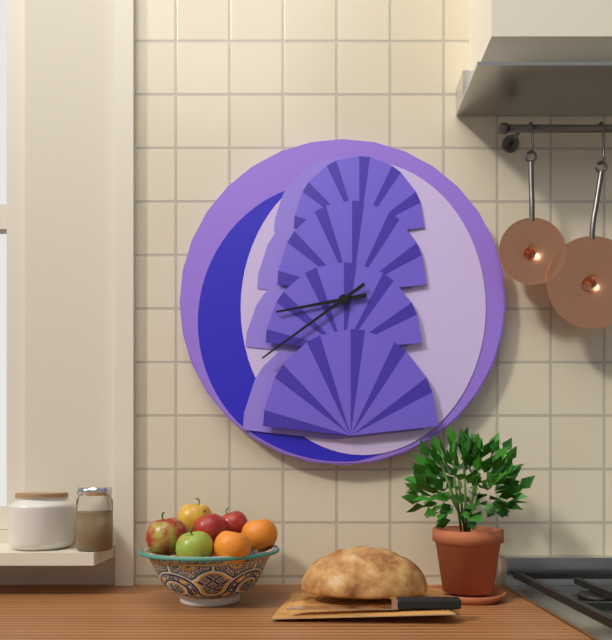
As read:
h=8 m=39
